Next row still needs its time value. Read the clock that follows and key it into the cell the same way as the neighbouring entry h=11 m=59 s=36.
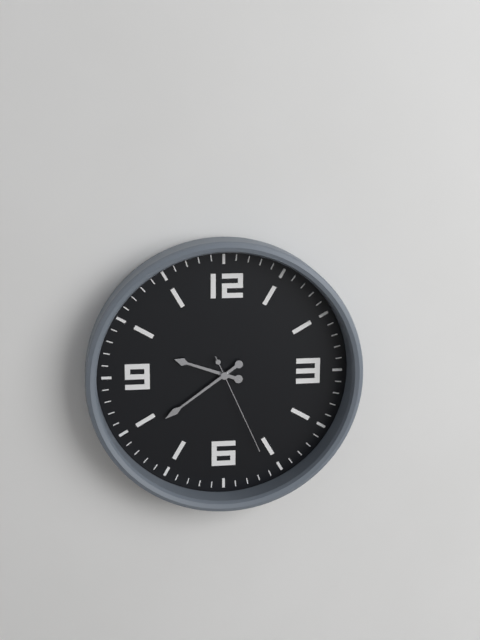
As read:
h=9 m=39 s=26
